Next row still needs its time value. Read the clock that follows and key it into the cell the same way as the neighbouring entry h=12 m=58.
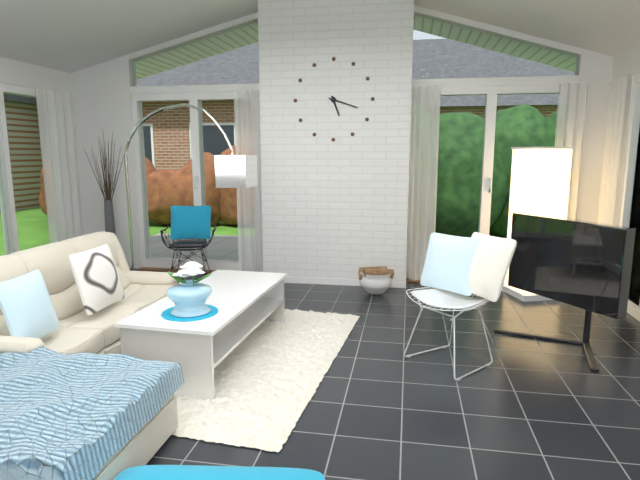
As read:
h=5 m=18
